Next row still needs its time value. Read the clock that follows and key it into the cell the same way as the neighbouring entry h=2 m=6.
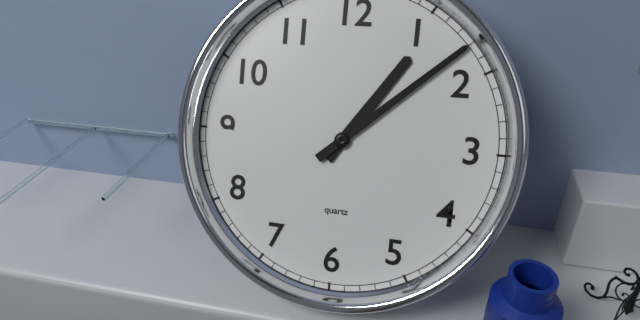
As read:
h=1 m=8
